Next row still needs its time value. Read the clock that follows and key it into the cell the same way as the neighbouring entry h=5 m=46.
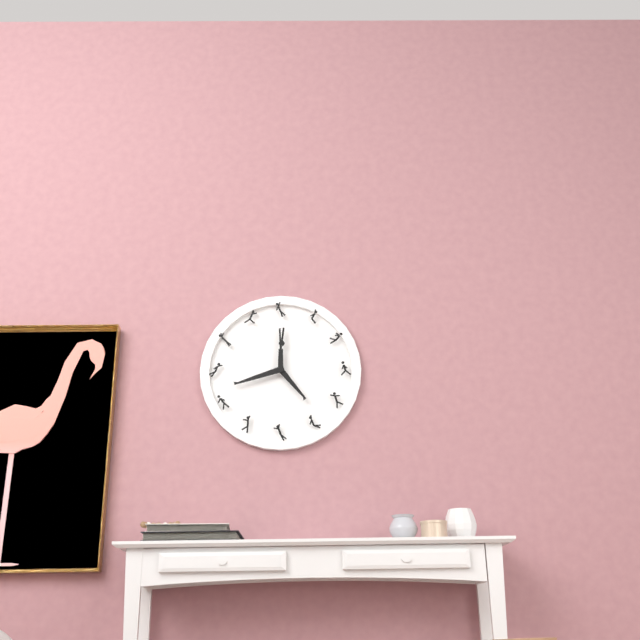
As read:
h=4 m=42
